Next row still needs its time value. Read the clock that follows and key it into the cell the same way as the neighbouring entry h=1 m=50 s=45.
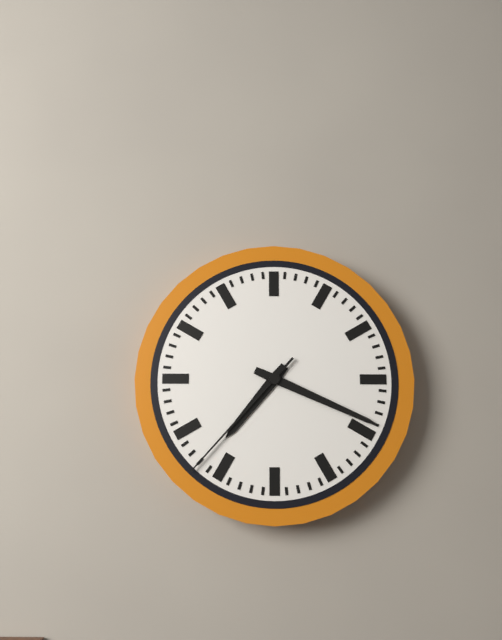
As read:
h=7 m=19 s=37
